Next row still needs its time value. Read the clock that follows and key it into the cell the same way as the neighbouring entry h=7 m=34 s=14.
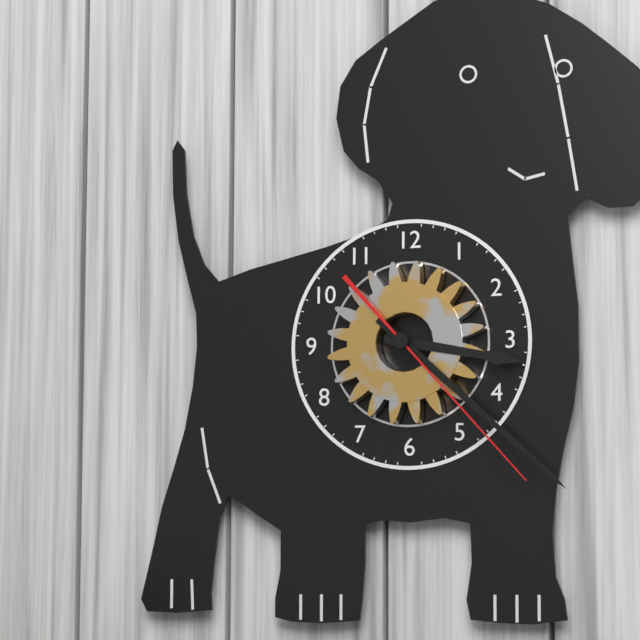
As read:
h=3 m=22 s=23
